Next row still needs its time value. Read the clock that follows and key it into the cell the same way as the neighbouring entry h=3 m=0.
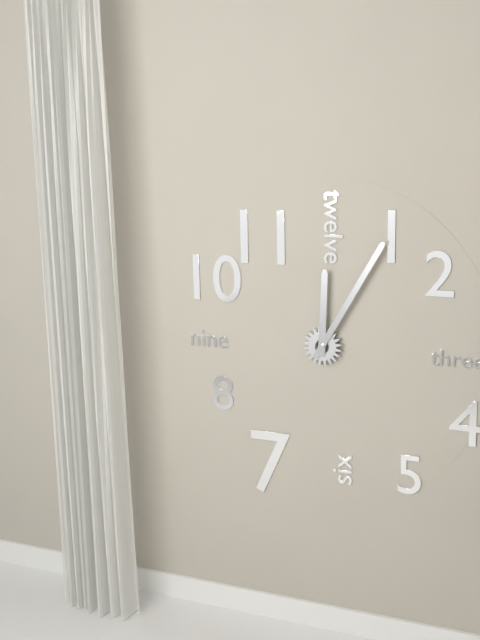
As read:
h=12 m=5
